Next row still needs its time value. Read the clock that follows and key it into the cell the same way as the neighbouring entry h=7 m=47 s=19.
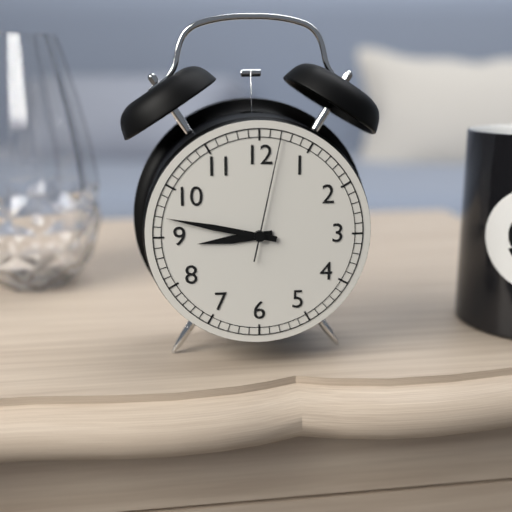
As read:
h=8 m=47 s=2
